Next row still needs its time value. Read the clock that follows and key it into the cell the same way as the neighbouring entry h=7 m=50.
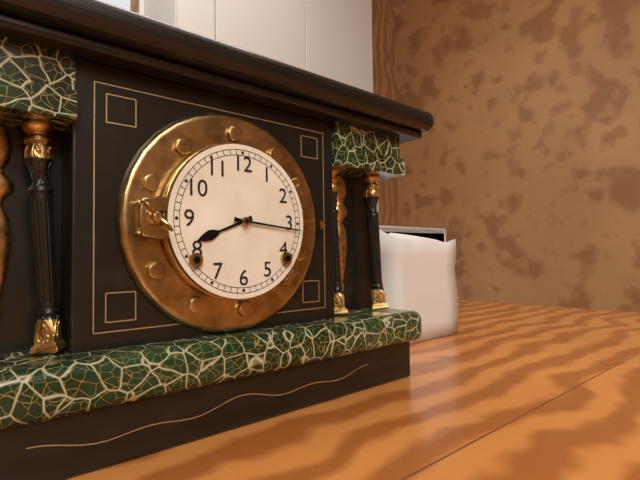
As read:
h=8 m=16
